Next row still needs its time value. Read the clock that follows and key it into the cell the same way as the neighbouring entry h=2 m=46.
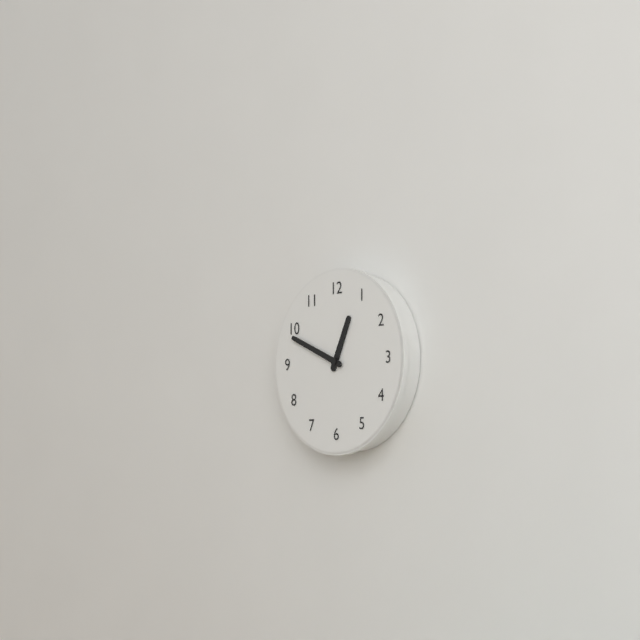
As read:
h=12 m=49
